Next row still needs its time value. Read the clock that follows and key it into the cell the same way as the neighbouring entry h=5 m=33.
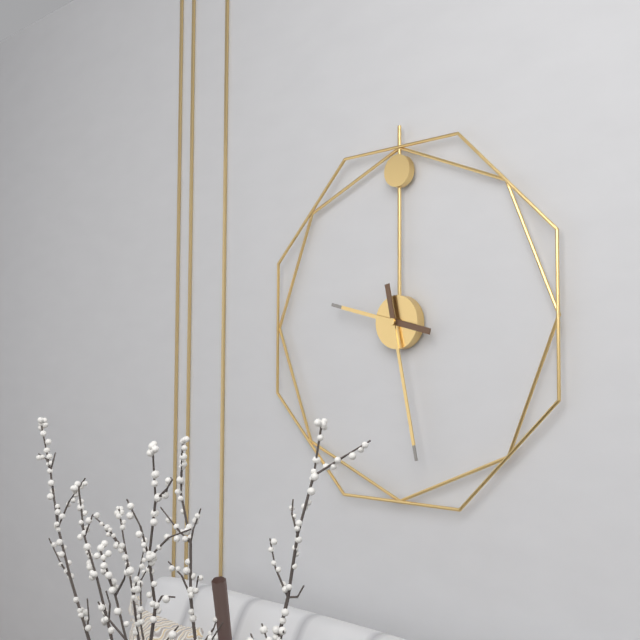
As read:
h=9 m=28
